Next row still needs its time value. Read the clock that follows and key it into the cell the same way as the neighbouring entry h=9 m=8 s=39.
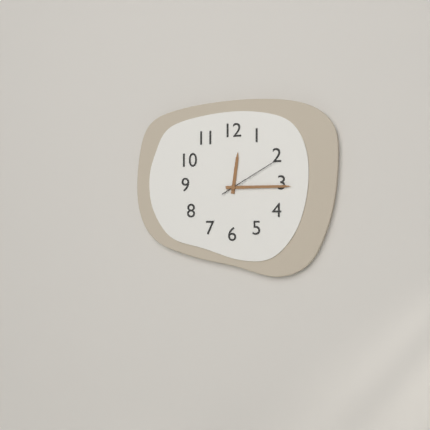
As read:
h=12 m=15 s=10
